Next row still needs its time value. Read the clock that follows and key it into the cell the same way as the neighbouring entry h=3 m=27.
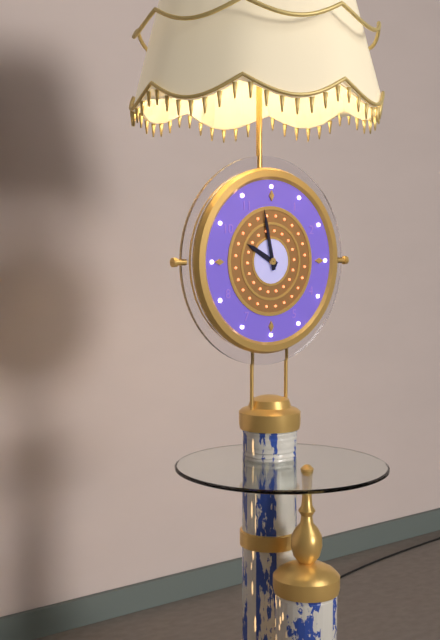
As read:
h=9 m=58
